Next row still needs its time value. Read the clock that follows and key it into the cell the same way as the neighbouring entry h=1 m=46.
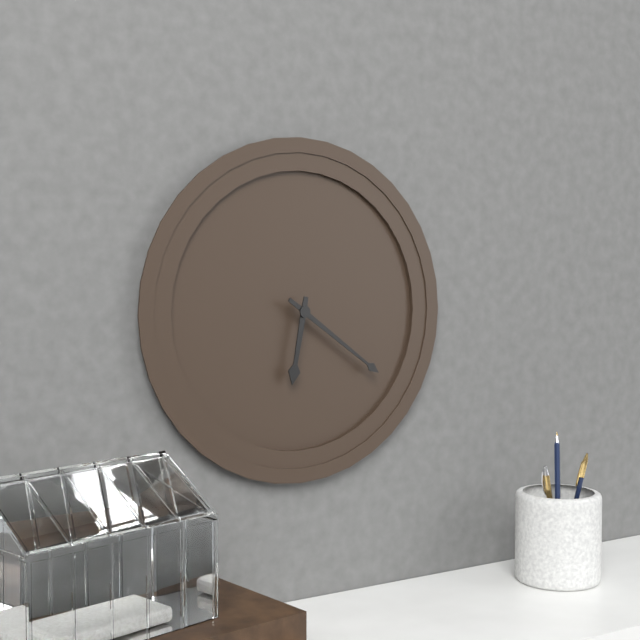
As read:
h=6 m=21
